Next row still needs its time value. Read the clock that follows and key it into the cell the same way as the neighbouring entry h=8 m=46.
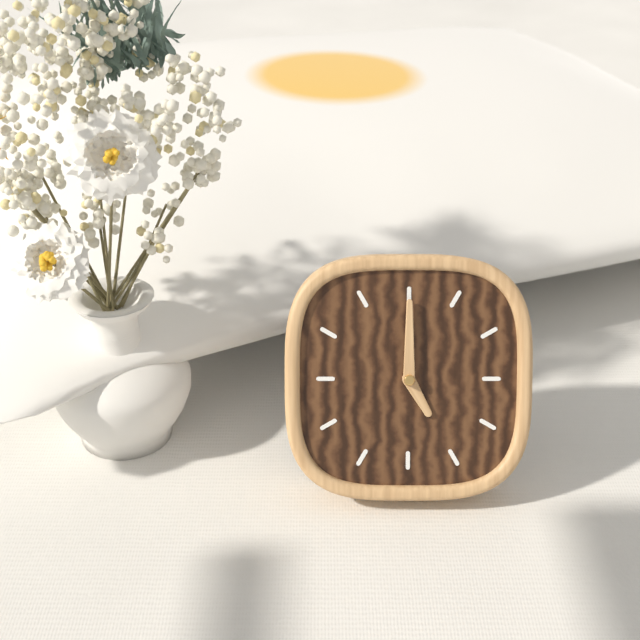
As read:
h=5 m=0
